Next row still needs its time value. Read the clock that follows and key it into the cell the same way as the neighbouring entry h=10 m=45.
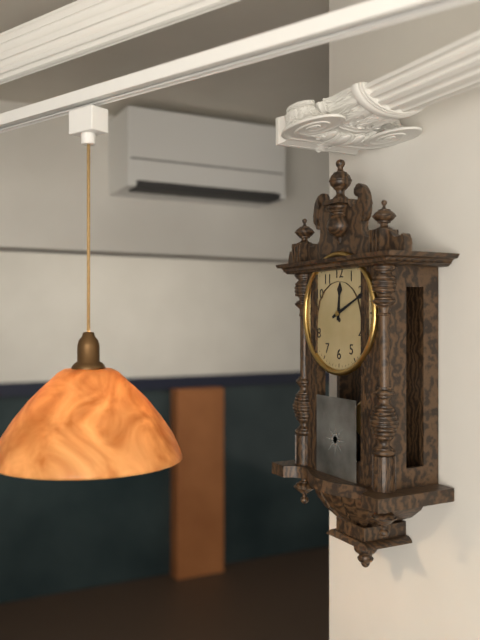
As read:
h=12 m=11
